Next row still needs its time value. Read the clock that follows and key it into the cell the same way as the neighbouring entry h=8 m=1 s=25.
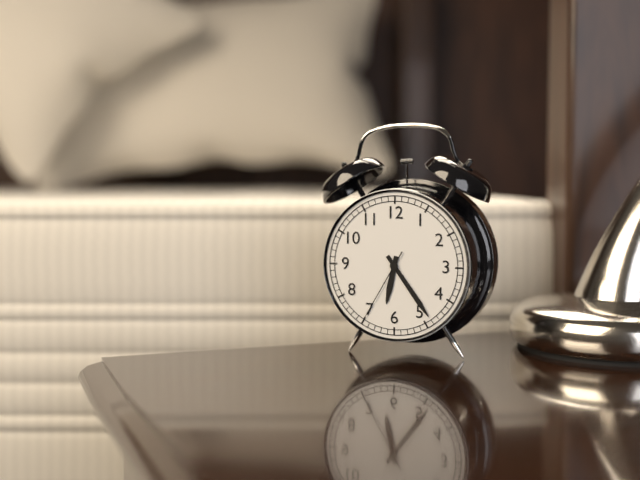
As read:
h=6 m=24 s=35
